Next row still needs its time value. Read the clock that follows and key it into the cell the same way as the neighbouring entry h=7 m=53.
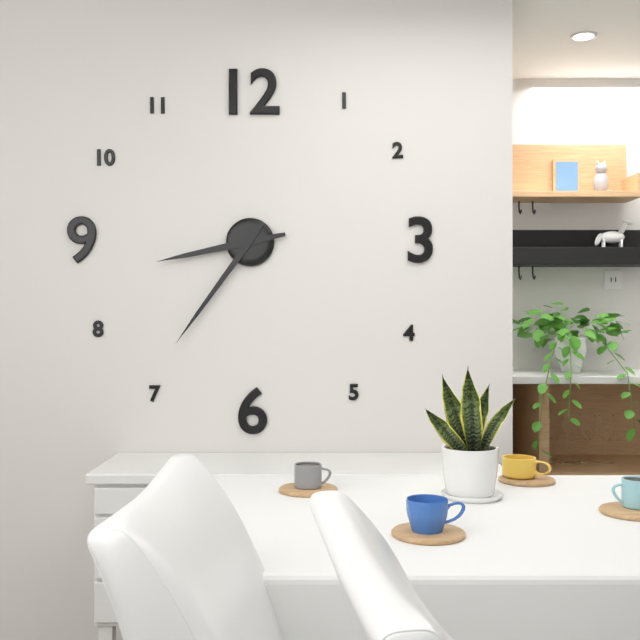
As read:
h=8 m=36
